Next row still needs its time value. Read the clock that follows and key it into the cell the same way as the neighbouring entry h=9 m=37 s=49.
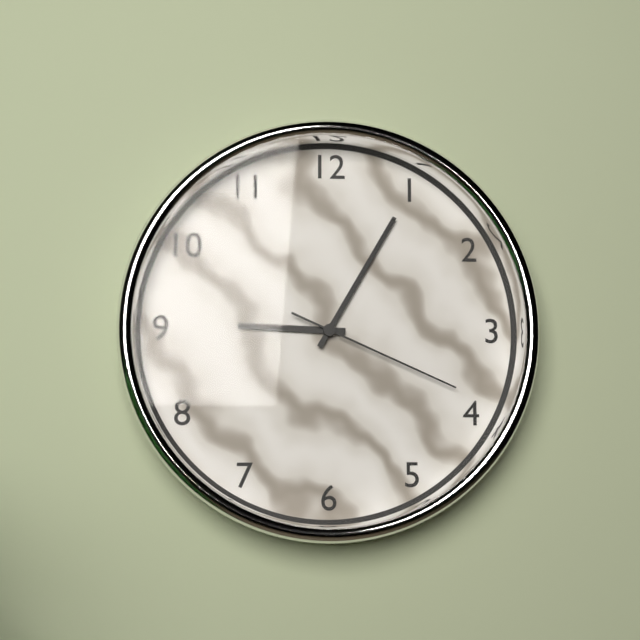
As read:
h=9 m=5 s=19
